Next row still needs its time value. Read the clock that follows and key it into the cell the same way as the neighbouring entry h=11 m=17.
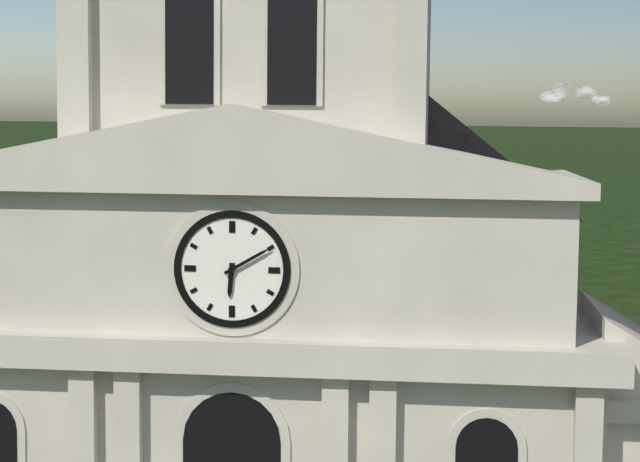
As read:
h=6 m=10
